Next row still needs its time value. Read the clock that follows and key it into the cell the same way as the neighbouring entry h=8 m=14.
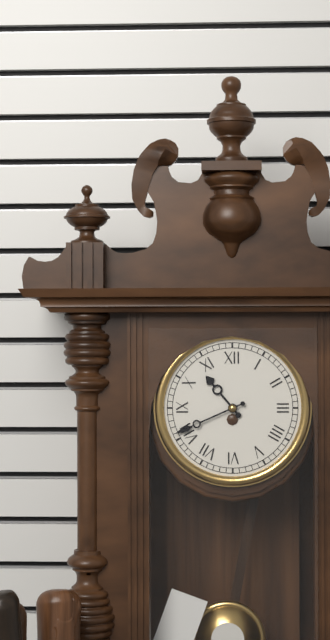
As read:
h=10 m=41
